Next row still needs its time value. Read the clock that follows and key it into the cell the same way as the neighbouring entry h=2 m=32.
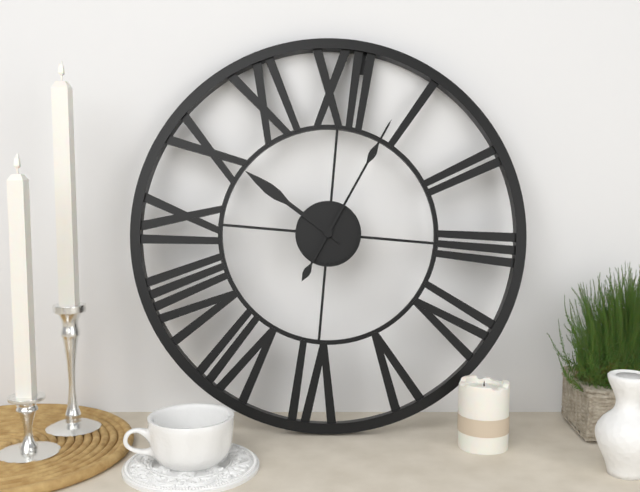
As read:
h=10 m=4
